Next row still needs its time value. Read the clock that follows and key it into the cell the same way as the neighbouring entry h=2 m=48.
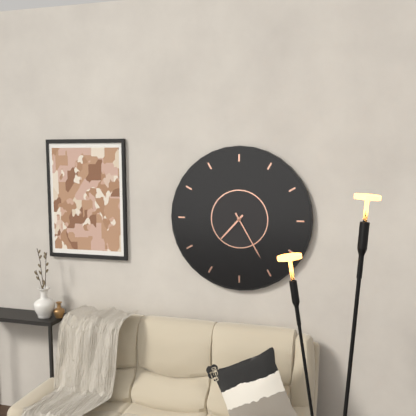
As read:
h=7 m=25
